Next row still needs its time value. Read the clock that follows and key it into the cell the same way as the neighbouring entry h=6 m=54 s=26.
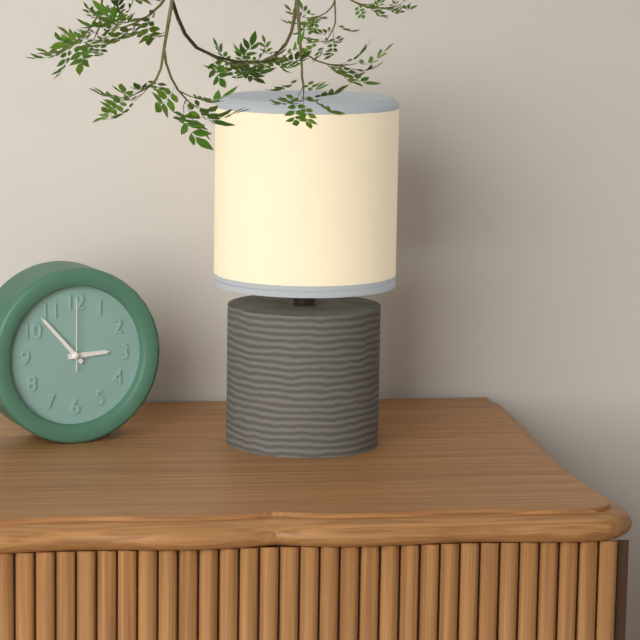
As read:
h=2 m=53 s=0
